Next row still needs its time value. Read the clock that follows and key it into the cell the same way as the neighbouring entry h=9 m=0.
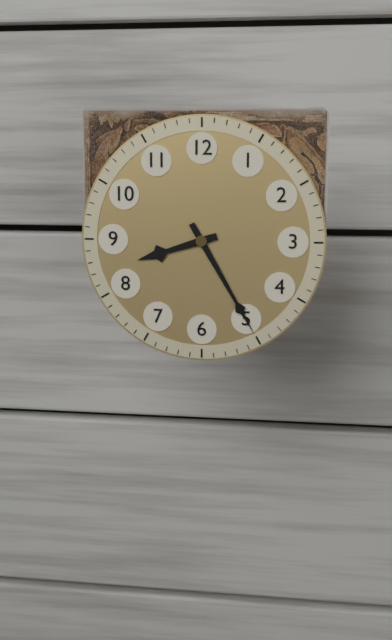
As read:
h=8 m=25
